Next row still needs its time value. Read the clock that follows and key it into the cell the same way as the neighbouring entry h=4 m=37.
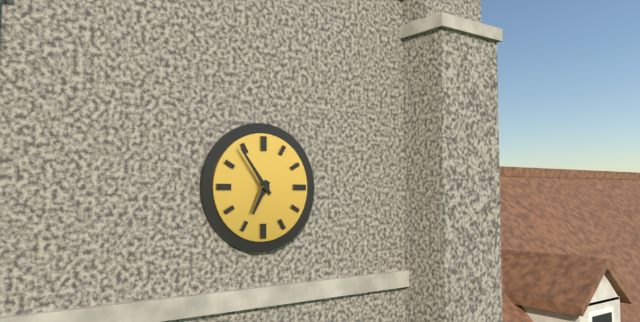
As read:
h=6 m=54
